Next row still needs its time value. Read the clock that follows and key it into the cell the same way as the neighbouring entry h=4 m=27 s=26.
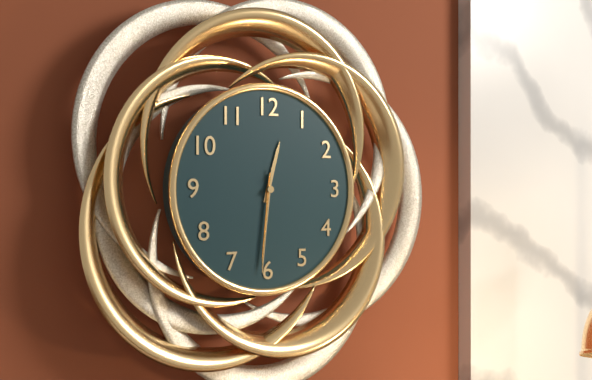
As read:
h=12 m=31 s=31
